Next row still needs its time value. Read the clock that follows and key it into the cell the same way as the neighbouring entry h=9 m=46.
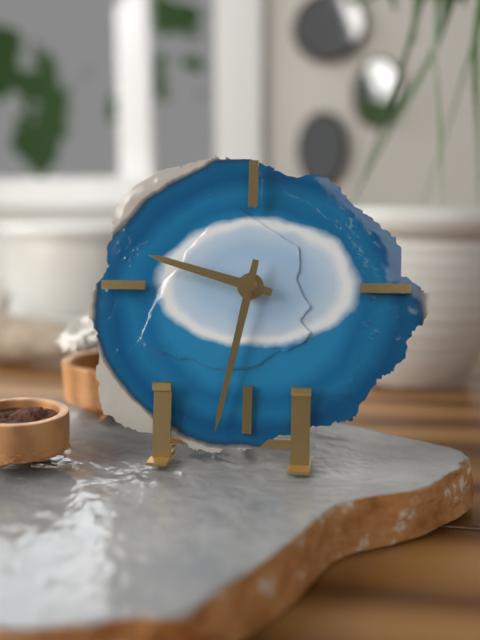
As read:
h=9 m=32
